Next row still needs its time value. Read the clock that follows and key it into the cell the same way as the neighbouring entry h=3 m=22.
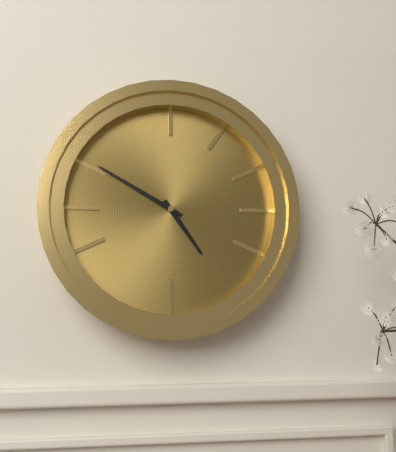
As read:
h=4 m=50
